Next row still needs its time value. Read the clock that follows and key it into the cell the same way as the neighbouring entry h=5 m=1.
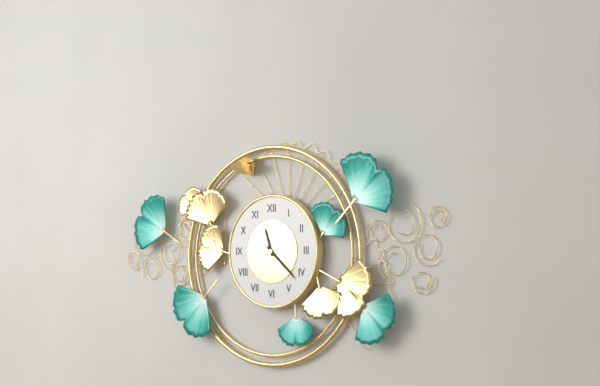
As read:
h=11 m=22
